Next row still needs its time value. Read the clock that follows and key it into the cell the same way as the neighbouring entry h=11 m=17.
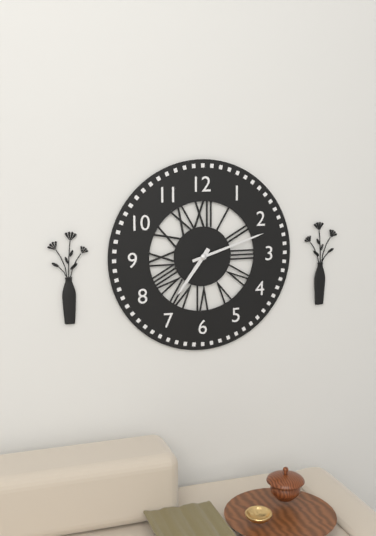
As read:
h=7 m=12
